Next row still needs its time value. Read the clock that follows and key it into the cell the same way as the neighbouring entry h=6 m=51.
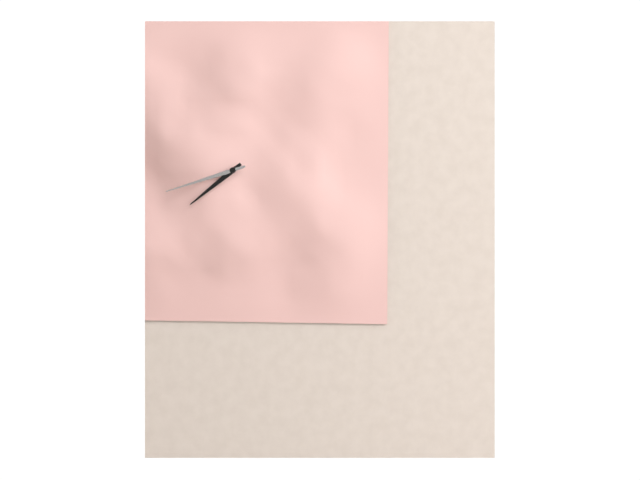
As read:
h=7 m=42
